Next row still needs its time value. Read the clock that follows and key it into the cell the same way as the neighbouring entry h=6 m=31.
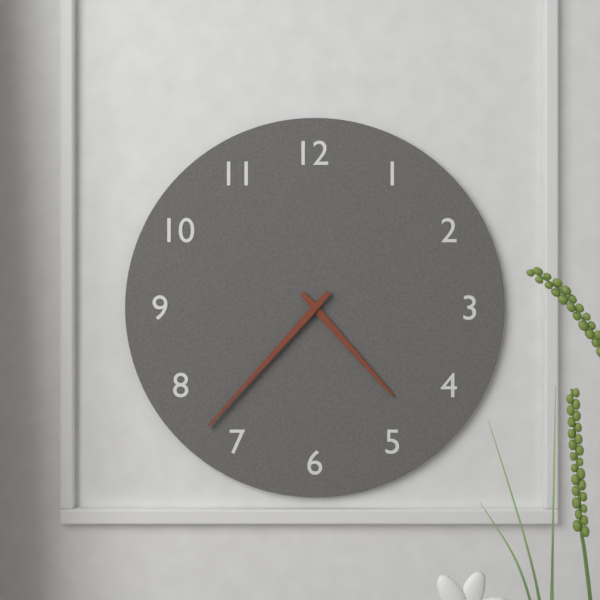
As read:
h=4 m=37
